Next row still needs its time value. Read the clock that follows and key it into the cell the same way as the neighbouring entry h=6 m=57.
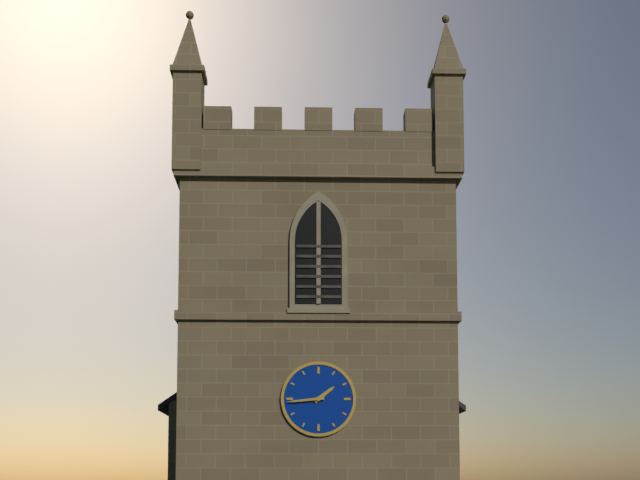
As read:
h=1 m=44
